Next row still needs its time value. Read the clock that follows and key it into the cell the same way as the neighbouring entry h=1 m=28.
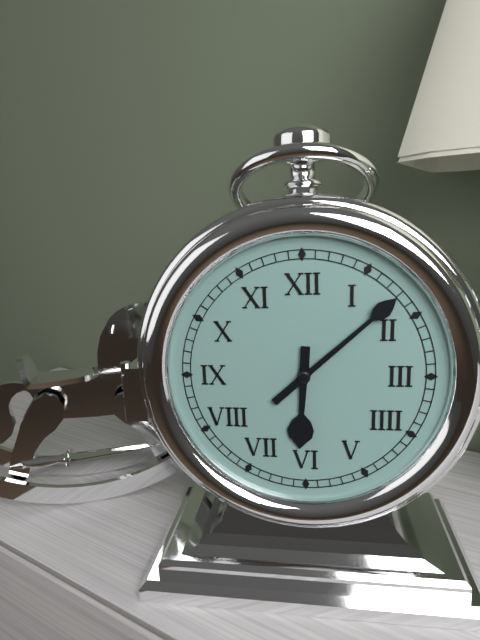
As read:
h=6 m=8
